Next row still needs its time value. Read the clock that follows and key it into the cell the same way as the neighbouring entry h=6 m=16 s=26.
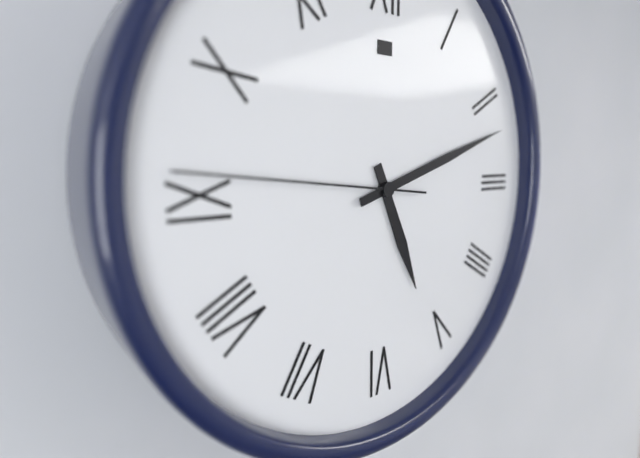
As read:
h=5 m=12 s=46
